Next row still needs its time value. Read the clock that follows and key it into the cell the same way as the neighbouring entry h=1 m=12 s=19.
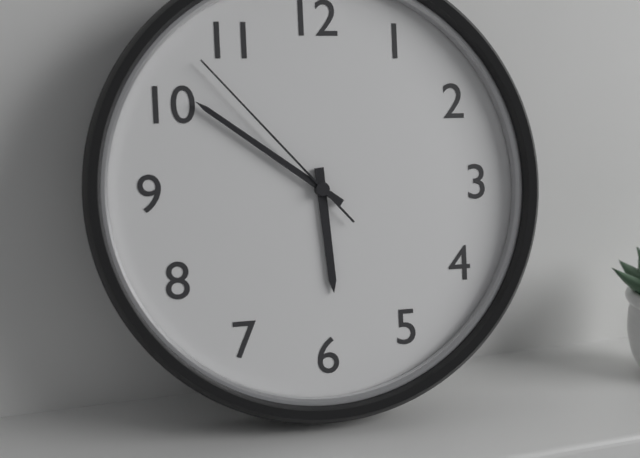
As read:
h=5 m=51 s=53
